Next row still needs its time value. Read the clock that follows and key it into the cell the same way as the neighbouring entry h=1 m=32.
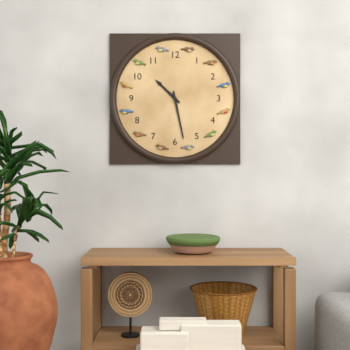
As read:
h=10 m=28
